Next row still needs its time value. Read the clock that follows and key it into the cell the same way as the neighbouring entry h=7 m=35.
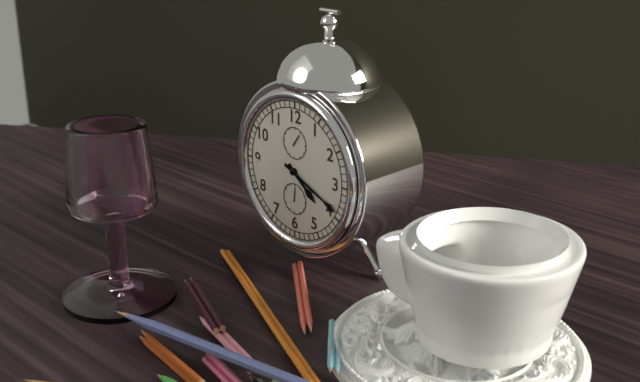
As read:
h=4 m=19
